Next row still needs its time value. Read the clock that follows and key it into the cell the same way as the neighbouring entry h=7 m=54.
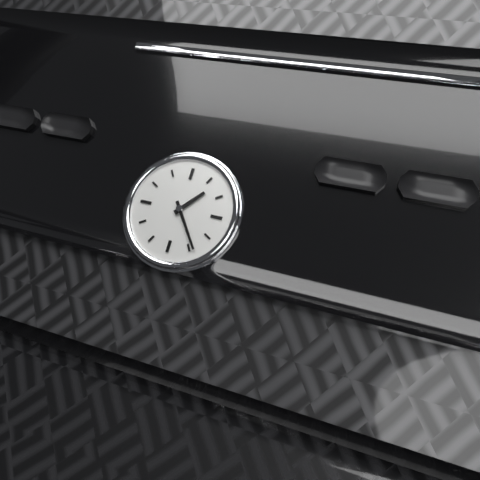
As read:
h=1 m=24
